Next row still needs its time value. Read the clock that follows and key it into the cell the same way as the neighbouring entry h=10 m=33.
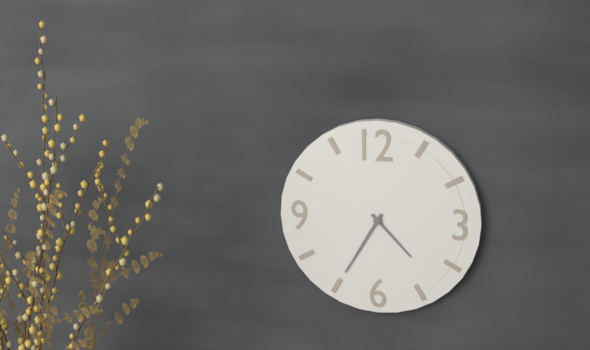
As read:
h=4 m=35
